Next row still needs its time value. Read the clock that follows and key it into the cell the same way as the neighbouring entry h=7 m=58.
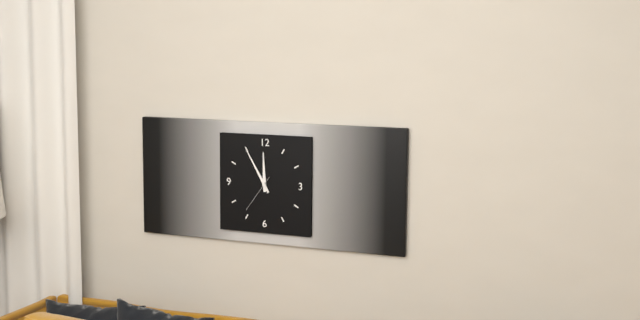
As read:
h=11 m=55
